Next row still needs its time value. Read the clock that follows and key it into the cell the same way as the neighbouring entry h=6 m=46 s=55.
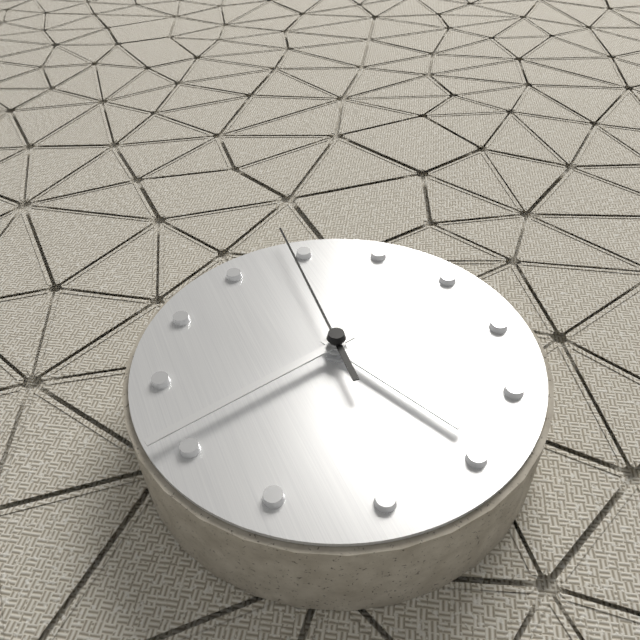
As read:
h=6 m=51 s=9
